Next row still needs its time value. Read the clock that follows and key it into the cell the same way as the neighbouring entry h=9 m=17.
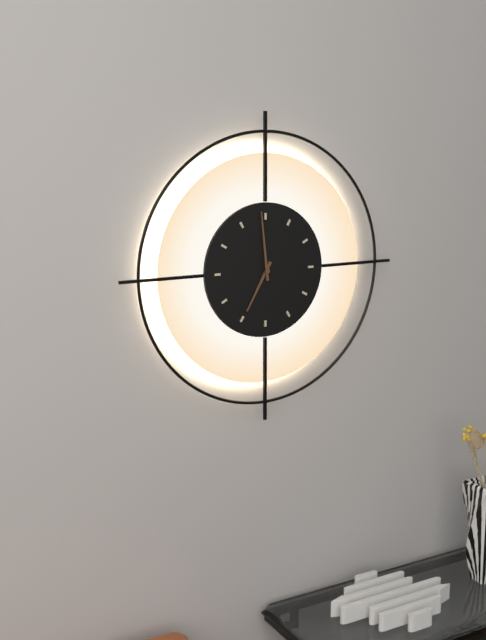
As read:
h=6 m=59
